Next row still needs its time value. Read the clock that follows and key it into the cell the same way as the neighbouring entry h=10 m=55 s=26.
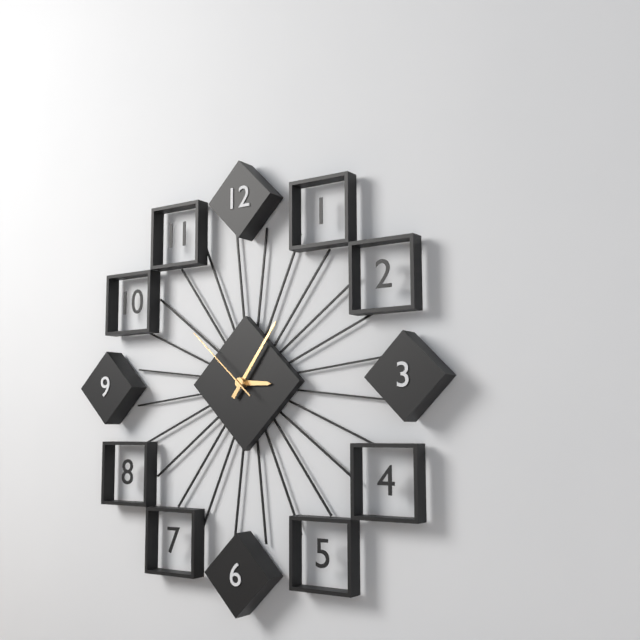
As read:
h=3 m=6 s=52
